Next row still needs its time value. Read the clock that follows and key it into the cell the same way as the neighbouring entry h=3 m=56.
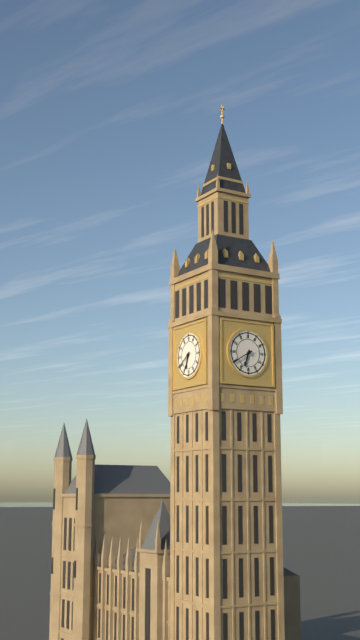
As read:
h=6 m=40
